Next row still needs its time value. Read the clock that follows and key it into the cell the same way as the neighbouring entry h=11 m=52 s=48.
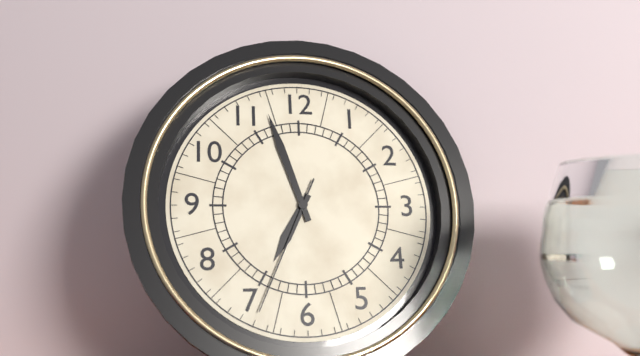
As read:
h=6 m=57 s=34
